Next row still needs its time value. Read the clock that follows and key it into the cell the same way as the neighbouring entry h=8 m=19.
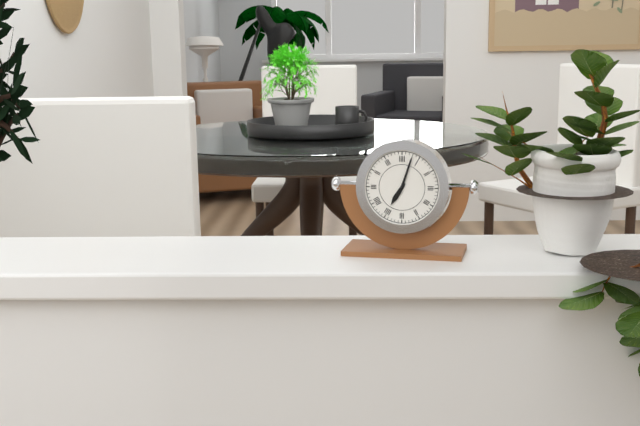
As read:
h=7 m=3
